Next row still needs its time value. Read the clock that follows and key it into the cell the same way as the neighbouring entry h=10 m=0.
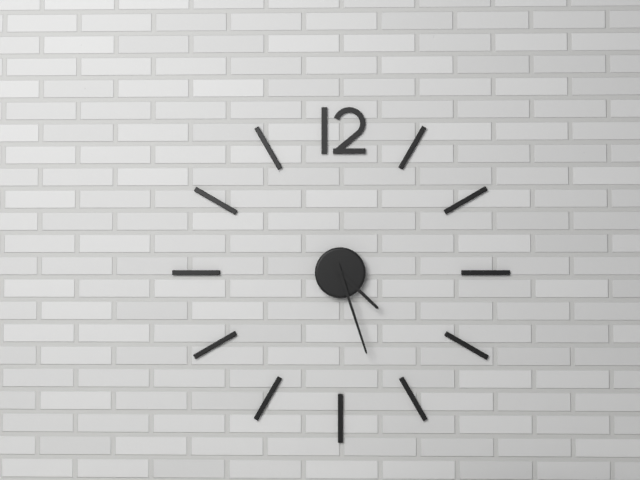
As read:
h=4 m=27
